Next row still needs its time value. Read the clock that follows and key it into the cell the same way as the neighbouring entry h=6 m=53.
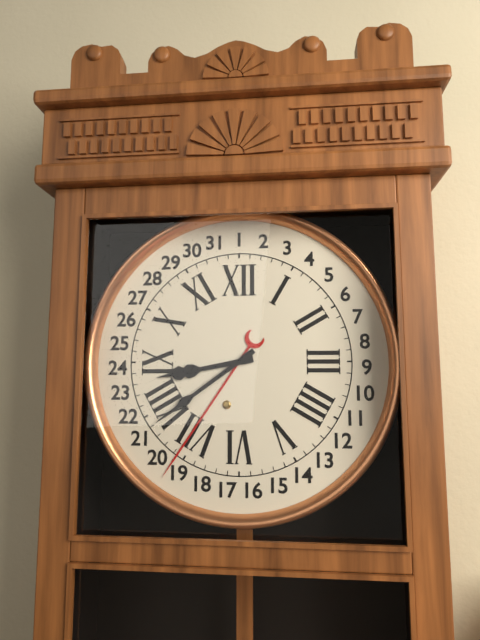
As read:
h=8 m=39
